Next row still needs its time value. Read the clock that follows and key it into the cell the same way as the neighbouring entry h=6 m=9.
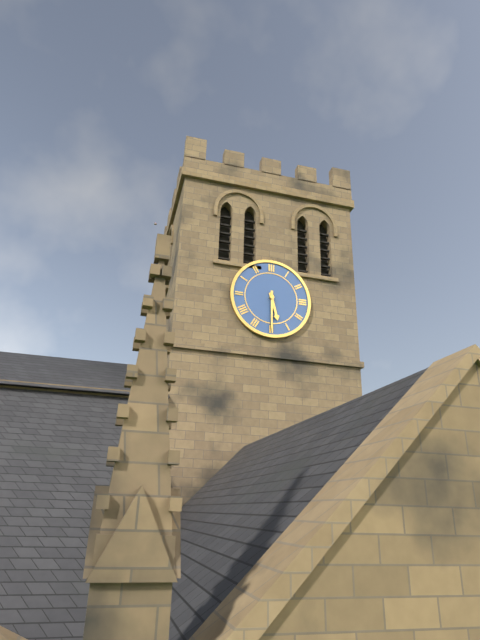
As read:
h=5 m=30
